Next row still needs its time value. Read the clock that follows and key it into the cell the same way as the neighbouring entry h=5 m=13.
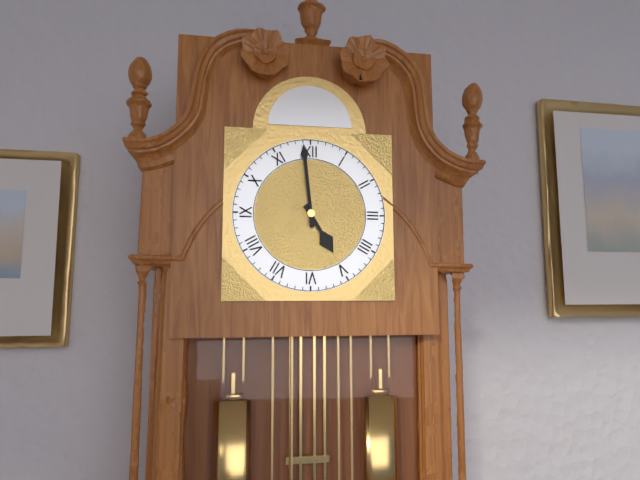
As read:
h=4 m=59
